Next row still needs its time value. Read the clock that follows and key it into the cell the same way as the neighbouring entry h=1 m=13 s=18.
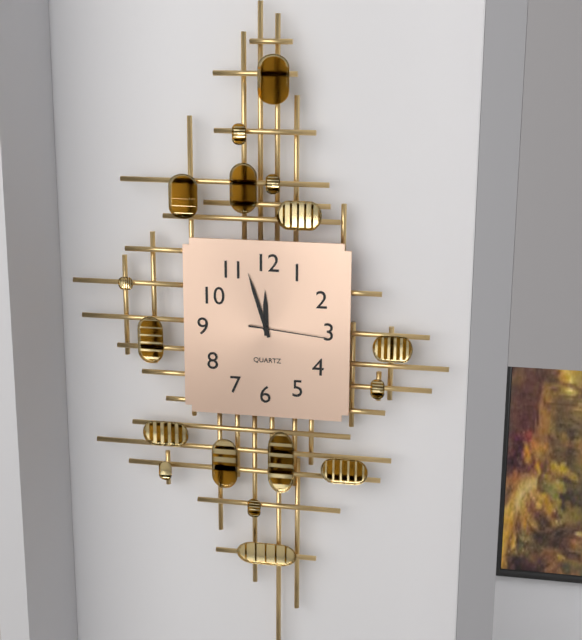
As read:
h=11 m=57 s=16
